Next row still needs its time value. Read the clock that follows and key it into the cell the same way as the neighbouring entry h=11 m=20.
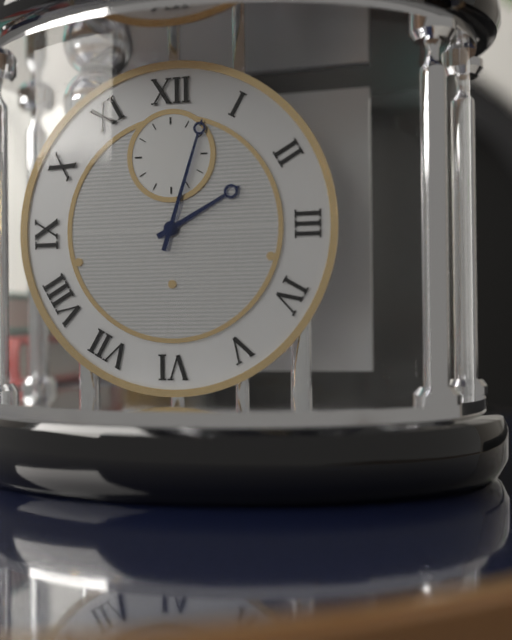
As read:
h=2 m=3
